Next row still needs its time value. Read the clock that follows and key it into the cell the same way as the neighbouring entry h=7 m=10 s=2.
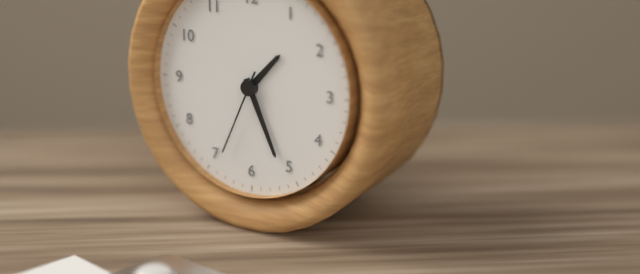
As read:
h=1 m=26 s=34
